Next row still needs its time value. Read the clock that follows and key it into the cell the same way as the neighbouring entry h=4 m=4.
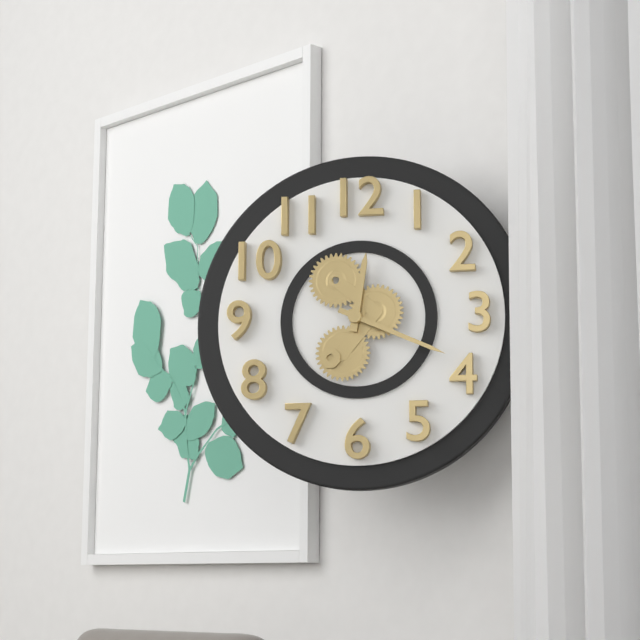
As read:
h=12 m=19
